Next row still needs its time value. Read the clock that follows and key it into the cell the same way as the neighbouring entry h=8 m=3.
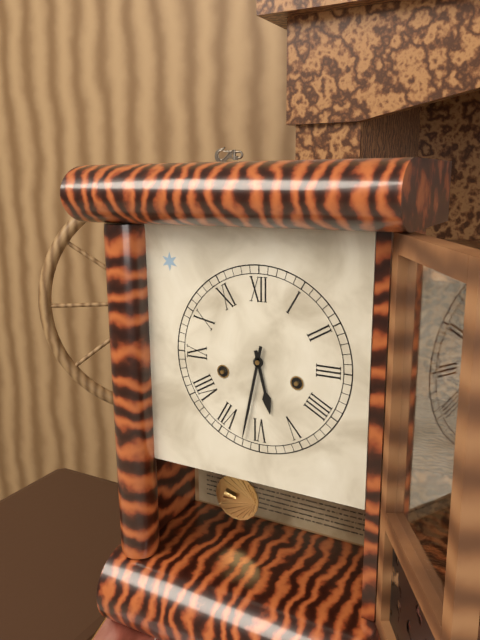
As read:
h=5 m=32
